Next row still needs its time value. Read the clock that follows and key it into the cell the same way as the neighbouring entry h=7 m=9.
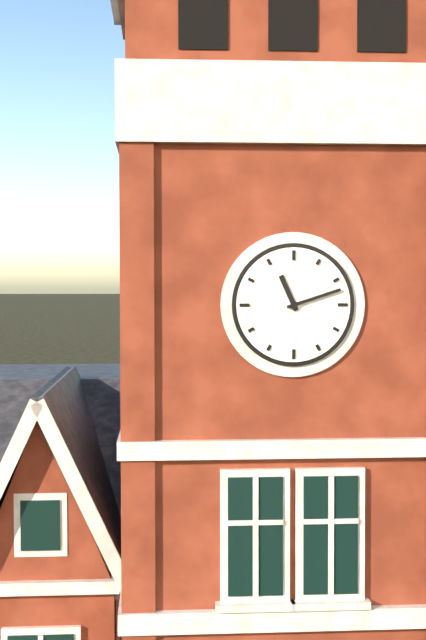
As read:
h=11 m=12
